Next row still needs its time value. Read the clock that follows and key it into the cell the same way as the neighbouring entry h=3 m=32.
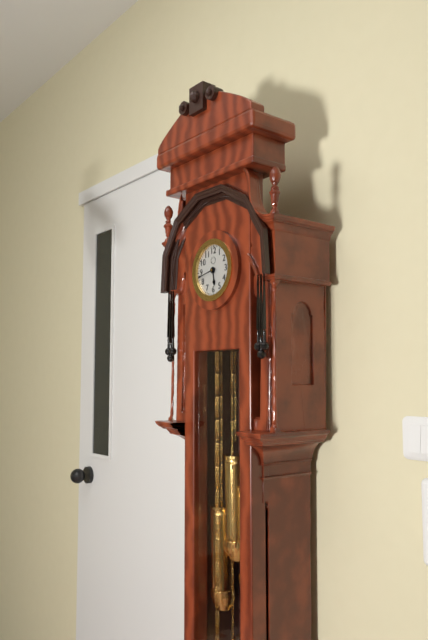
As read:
h=5 m=43
